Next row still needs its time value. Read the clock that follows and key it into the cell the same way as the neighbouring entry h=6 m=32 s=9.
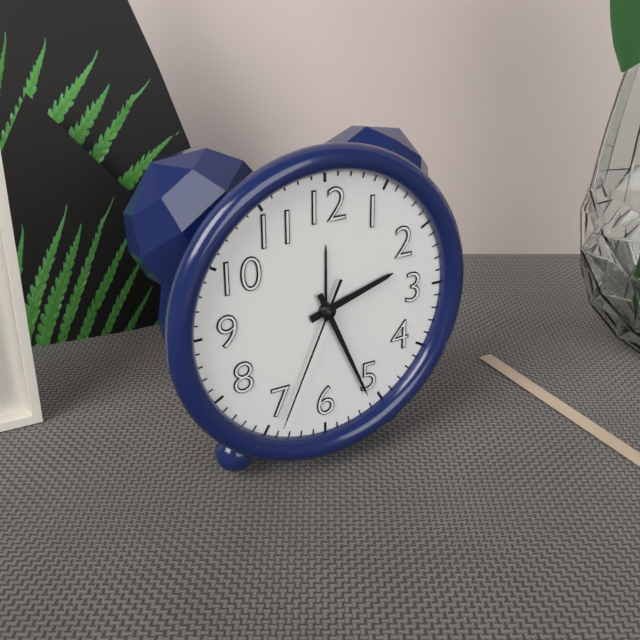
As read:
h=2 m=26 s=34
